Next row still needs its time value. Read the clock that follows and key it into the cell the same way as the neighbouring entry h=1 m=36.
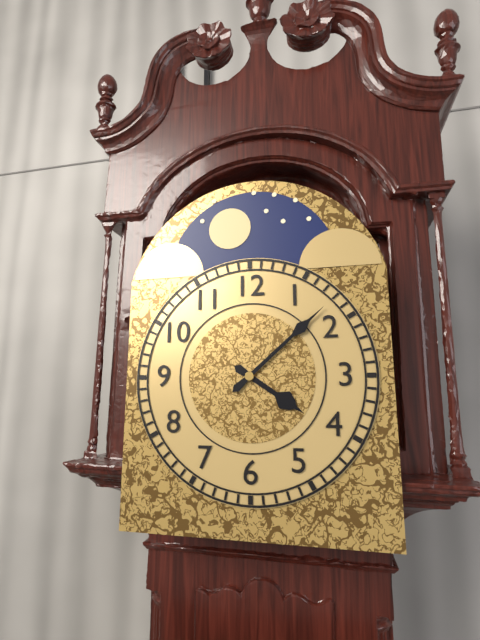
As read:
h=4 m=8
